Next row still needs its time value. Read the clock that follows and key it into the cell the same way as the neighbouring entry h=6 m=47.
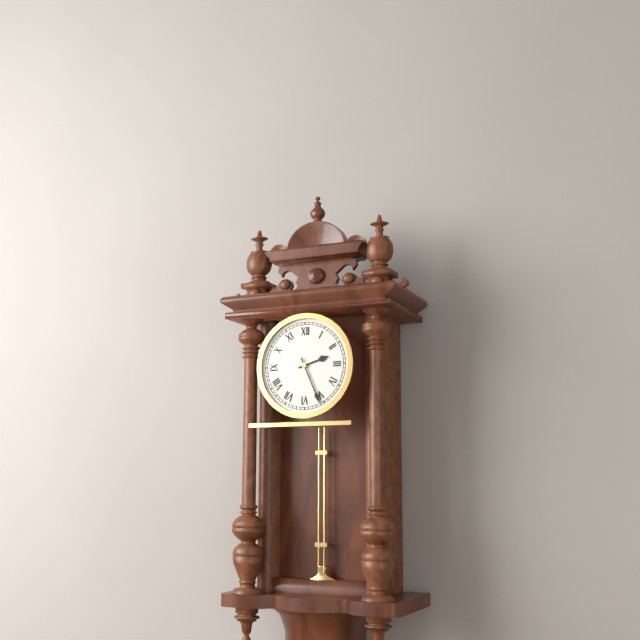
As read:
h=2 m=26
